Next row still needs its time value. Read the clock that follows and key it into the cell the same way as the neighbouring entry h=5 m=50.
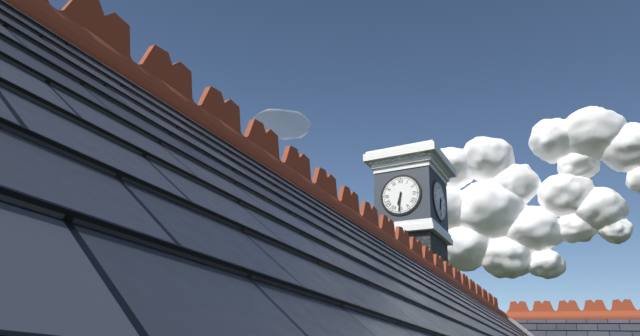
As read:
h=6 m=31
